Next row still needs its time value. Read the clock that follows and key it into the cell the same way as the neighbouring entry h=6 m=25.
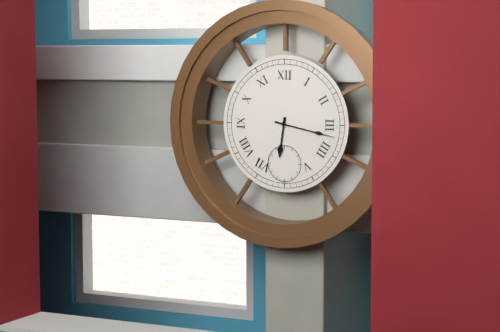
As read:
h=6 m=17
